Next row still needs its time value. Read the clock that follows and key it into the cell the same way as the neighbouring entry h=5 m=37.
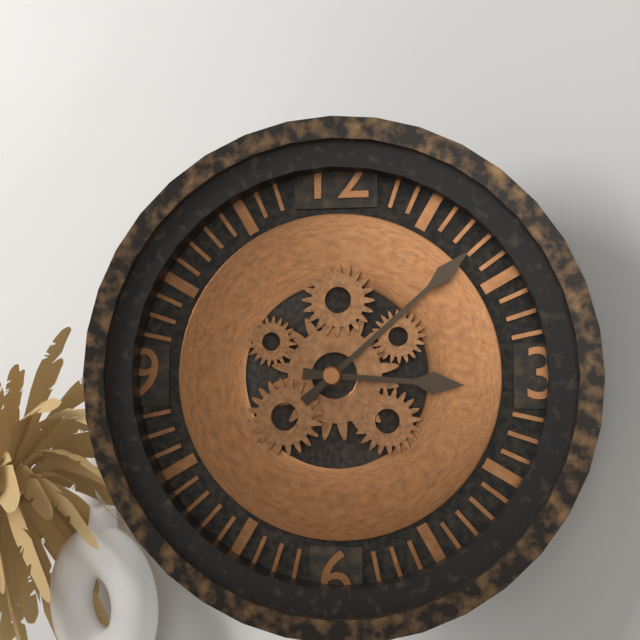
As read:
h=3 m=8
